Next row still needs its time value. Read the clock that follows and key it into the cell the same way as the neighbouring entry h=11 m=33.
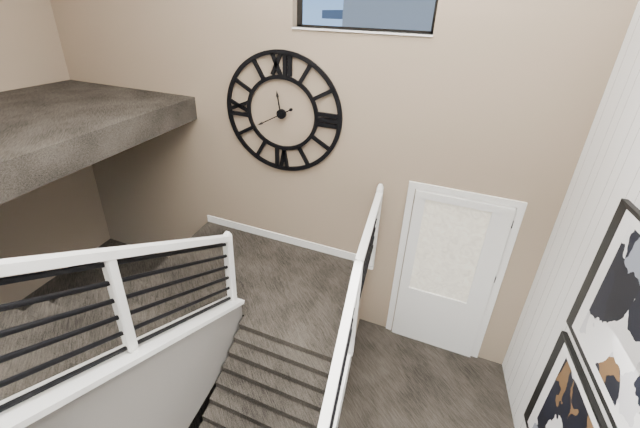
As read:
h=11 m=40
